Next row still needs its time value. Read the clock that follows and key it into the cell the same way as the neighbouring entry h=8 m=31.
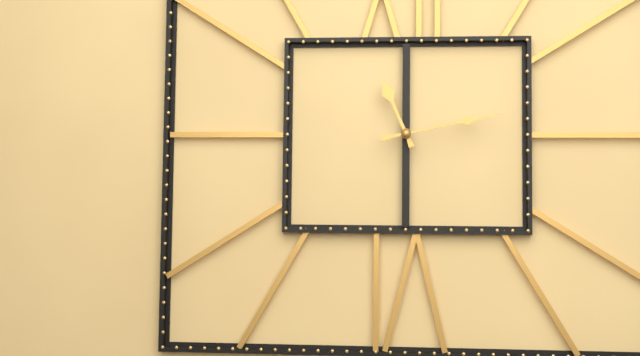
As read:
h=11 m=13
